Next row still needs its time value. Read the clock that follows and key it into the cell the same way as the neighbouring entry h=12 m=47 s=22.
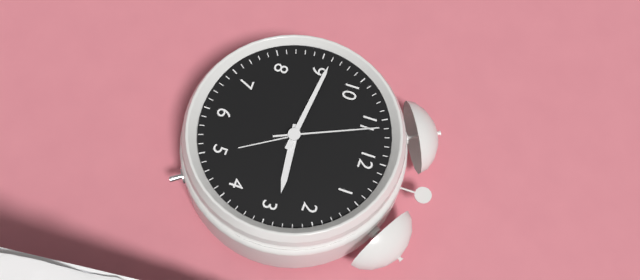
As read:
h=2 m=46 s=56
